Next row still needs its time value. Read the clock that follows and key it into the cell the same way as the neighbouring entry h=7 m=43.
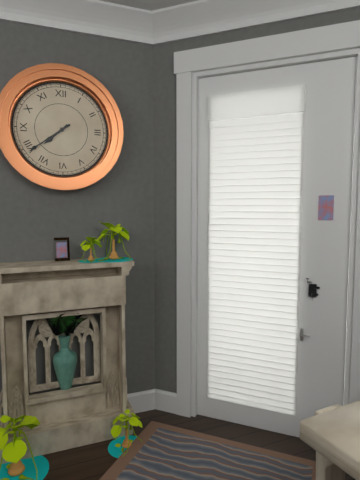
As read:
h=7 m=39
